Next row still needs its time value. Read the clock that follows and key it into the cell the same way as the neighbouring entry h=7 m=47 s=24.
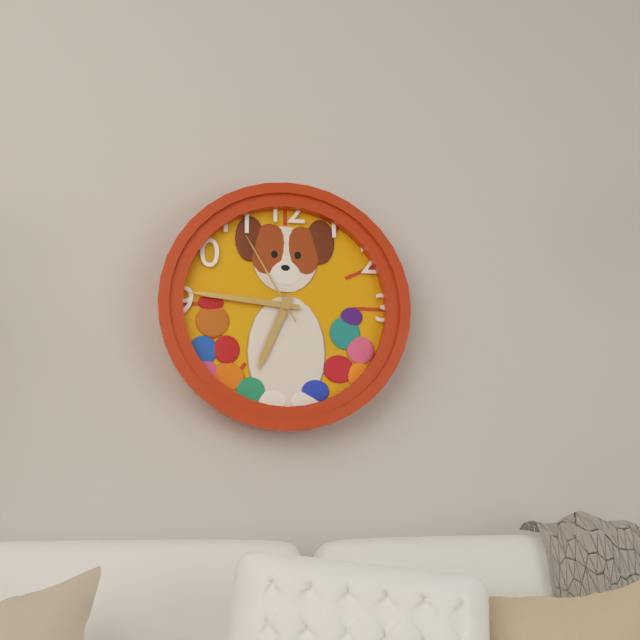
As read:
h=6 m=46 s=55
